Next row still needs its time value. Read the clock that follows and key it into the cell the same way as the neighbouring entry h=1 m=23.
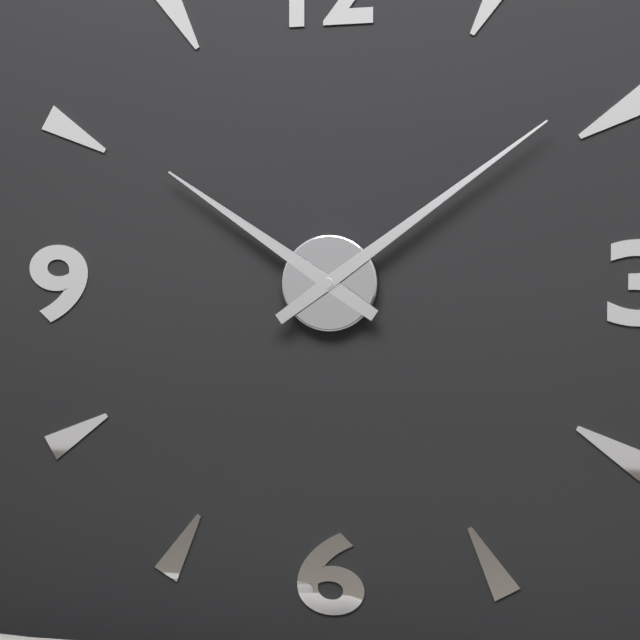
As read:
h=10 m=9
